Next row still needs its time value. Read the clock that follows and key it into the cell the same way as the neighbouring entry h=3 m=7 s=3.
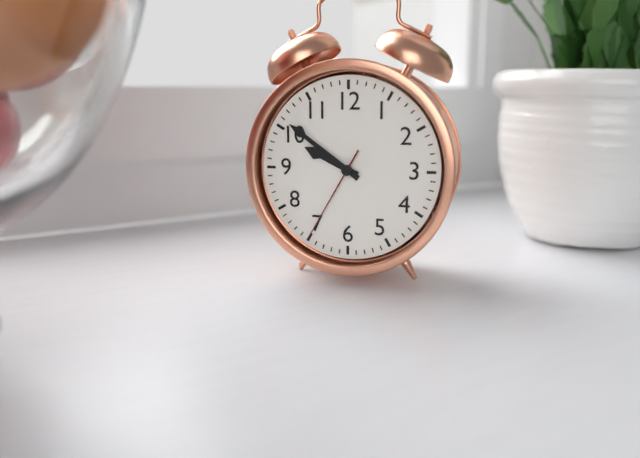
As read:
h=9 m=51 s=35
